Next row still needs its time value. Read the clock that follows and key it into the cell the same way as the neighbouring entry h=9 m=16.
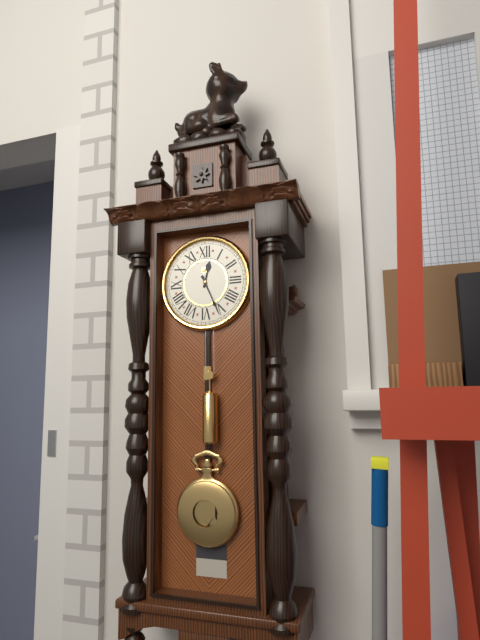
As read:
h=12 m=26
